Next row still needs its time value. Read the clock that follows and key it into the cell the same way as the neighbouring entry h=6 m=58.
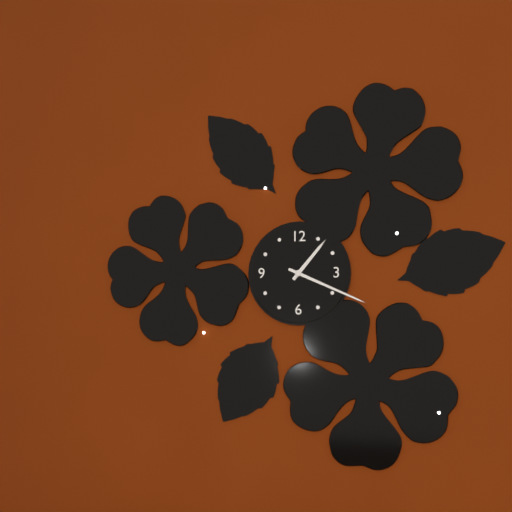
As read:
h=1 m=19
